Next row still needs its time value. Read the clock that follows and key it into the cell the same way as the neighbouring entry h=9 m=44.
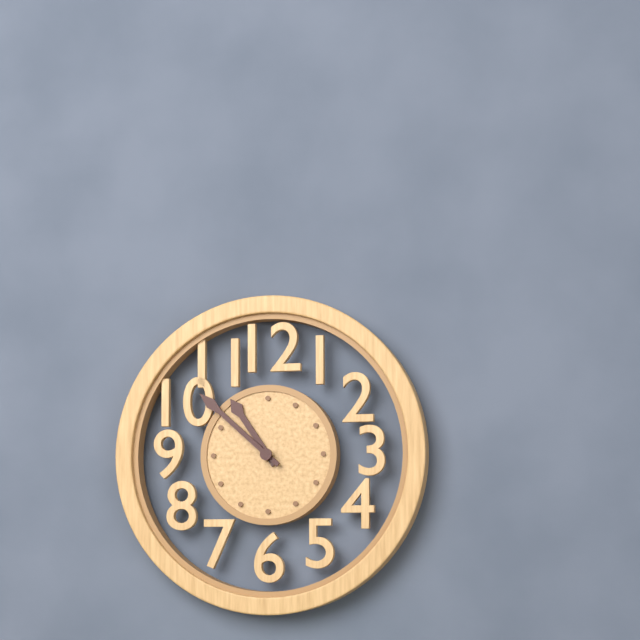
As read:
h=10 m=52
